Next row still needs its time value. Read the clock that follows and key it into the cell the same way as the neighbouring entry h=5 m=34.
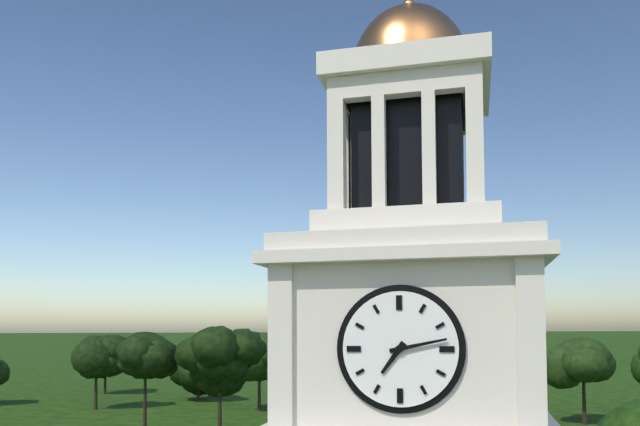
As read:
h=7 m=13
